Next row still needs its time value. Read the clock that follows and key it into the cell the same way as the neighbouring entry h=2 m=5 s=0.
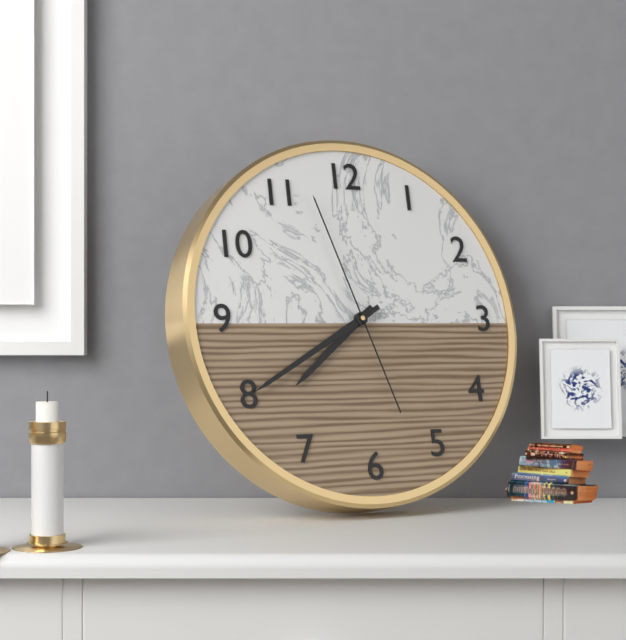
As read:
h=7 m=40 s=57
